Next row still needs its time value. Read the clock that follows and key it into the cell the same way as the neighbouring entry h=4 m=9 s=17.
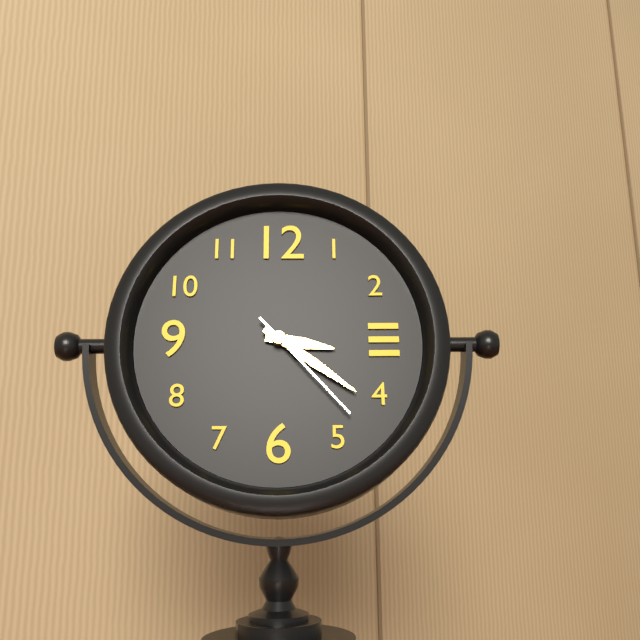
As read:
h=3 m=21 s=23
